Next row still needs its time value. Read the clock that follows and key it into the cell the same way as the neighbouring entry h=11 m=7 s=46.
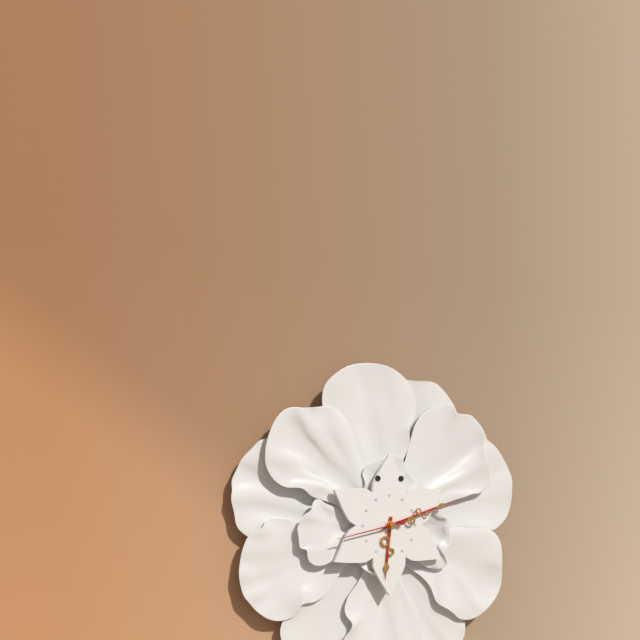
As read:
h=6 m=12 s=43
